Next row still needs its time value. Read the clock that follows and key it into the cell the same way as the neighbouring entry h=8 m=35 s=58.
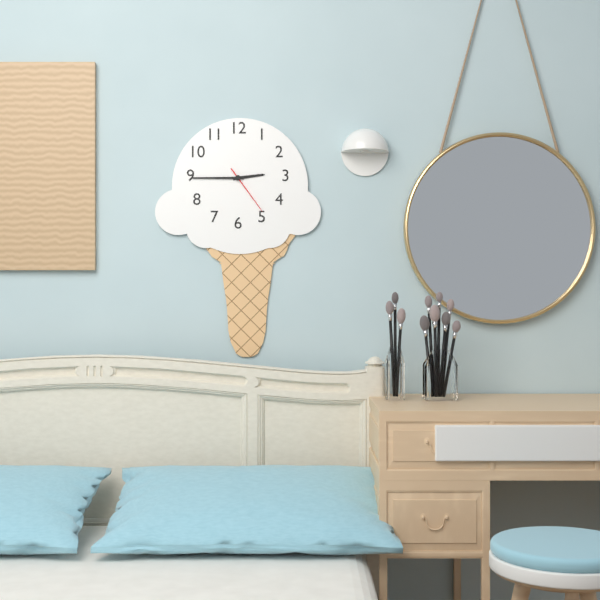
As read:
h=2 m=45 s=24
